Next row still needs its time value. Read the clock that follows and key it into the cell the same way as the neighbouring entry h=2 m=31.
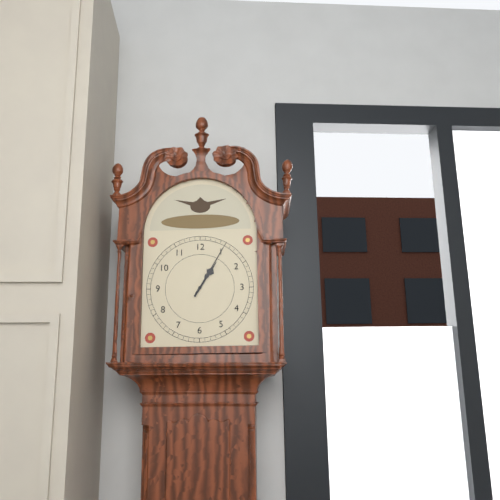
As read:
h=1 m=5
